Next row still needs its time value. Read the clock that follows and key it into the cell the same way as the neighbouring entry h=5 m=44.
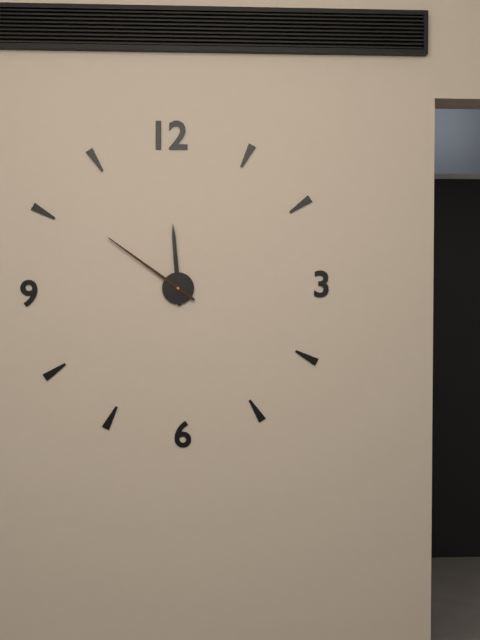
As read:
h=11 m=51
